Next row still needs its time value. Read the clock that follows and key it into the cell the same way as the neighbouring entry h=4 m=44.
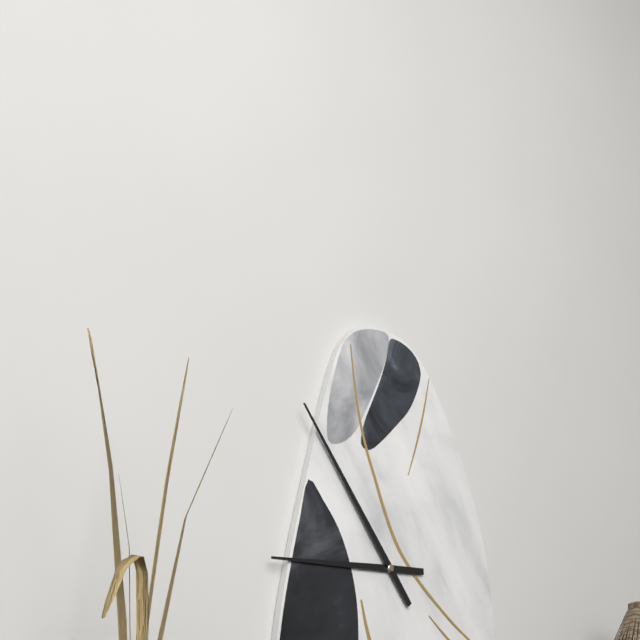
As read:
h=8 m=54
